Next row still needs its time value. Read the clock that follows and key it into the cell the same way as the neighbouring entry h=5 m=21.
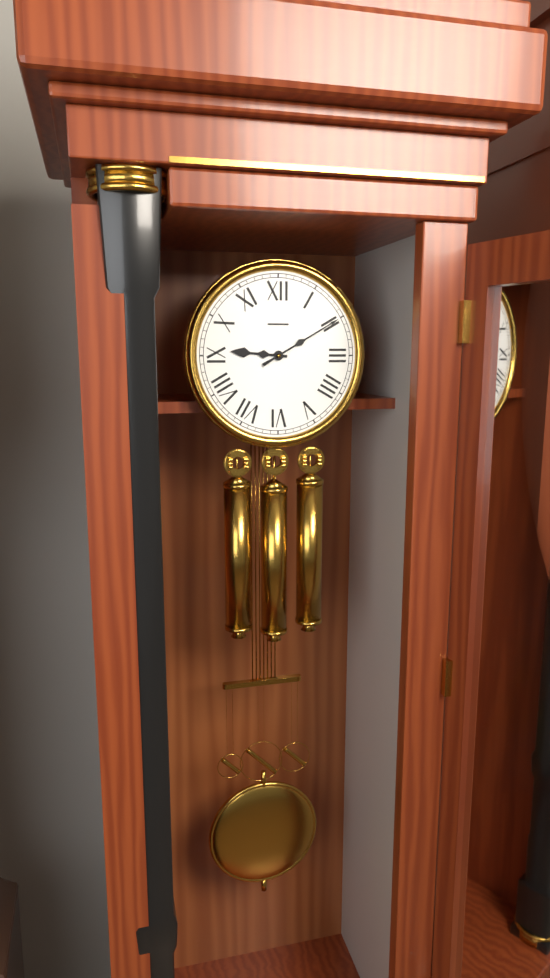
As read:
h=9 m=10
